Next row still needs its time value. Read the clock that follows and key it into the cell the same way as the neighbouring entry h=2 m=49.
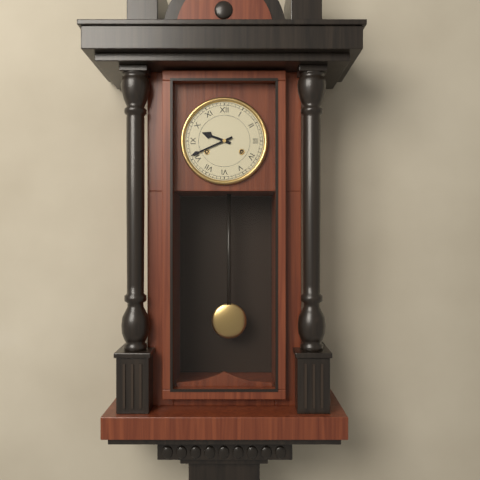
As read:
h=9 m=41
